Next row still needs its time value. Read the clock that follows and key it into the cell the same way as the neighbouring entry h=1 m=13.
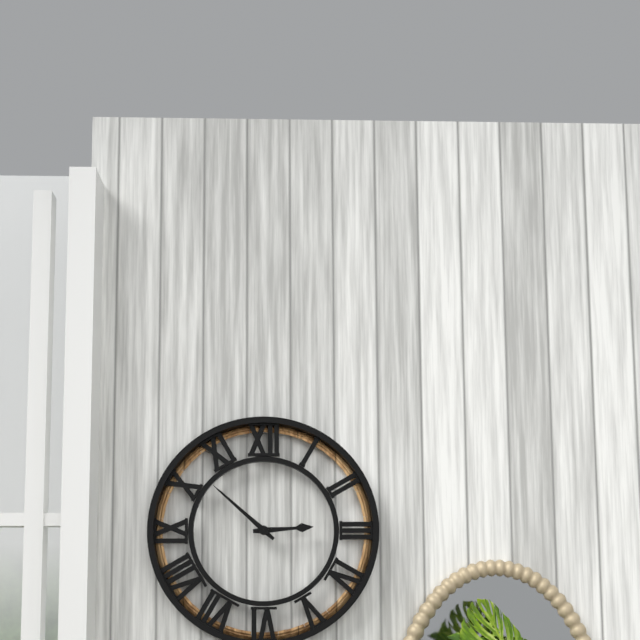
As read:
h=2 m=52
